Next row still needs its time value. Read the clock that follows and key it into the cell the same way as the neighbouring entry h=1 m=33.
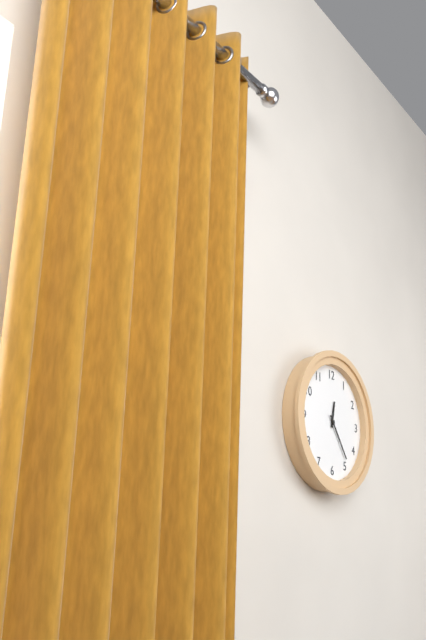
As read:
h=12 m=24
